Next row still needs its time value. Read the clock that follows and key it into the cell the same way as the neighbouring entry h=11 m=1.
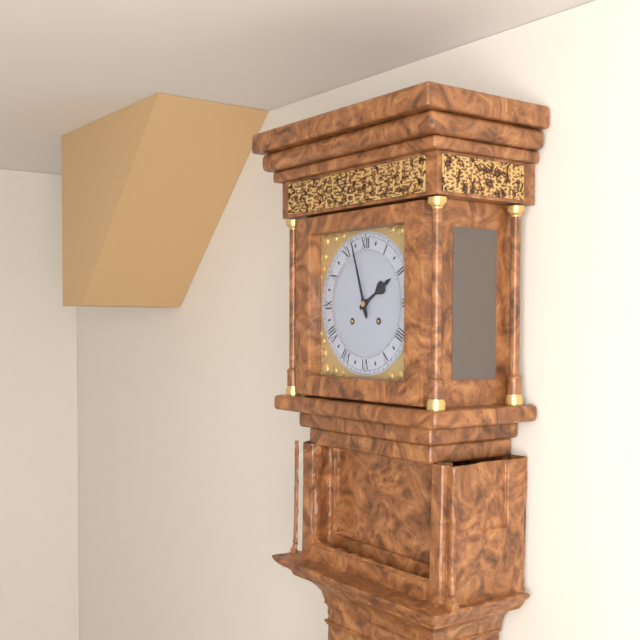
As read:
h=1 m=57
